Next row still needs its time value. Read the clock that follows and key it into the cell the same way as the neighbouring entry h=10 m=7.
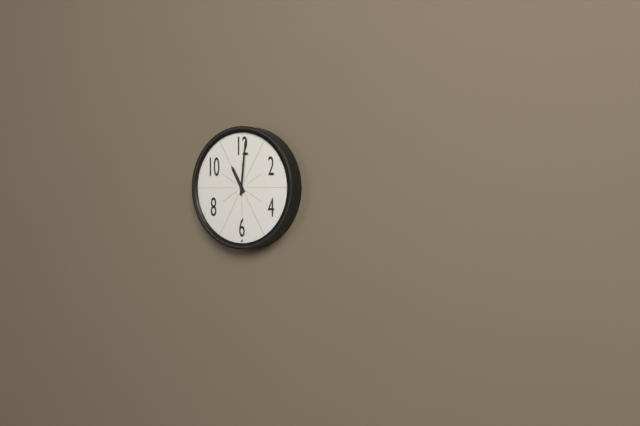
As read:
h=11 m=1
